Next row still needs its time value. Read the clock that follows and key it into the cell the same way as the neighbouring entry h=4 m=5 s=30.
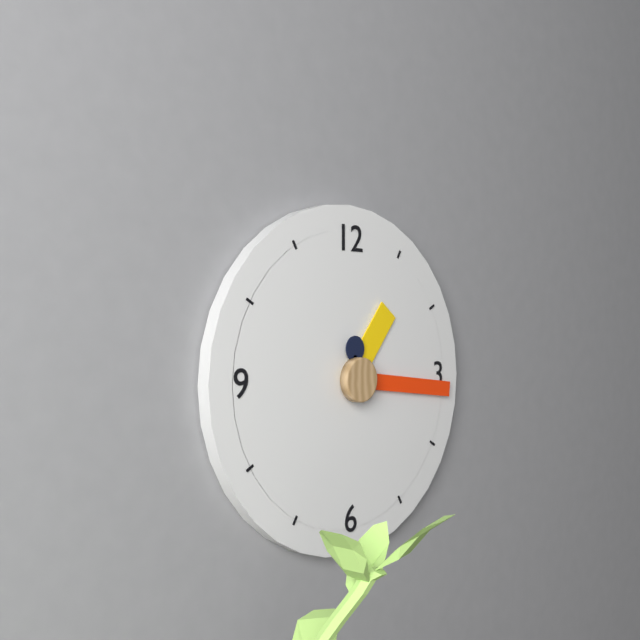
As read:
h=1 m=16 s=0
